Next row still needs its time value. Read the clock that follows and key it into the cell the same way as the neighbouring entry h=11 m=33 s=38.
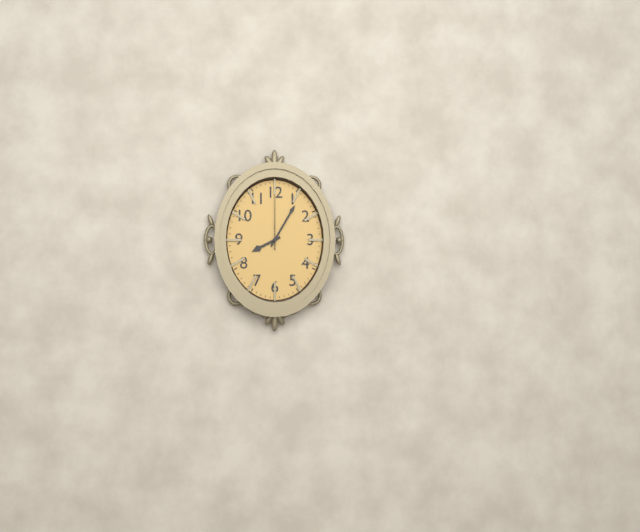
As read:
h=8 m=5 s=0
